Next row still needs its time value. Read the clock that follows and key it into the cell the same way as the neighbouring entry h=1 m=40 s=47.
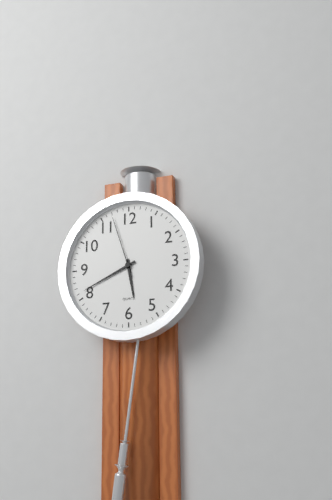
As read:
h=5 m=41 s=57
